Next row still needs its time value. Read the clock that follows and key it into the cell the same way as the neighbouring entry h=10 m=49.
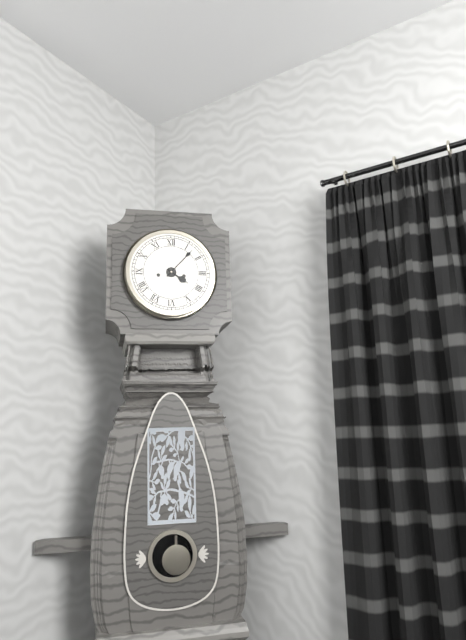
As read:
h=4 m=7
